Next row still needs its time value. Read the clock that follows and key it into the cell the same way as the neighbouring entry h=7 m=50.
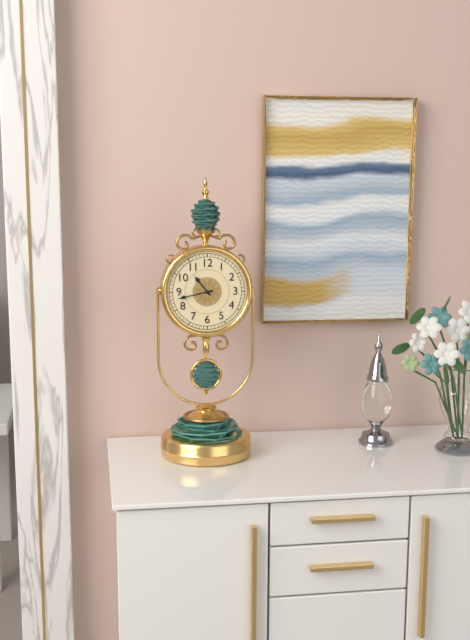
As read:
h=10 m=43
